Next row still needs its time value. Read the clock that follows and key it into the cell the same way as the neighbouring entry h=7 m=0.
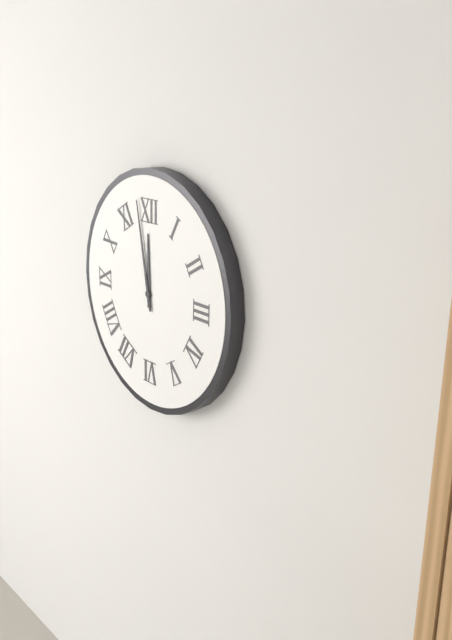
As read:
h=11 m=58
